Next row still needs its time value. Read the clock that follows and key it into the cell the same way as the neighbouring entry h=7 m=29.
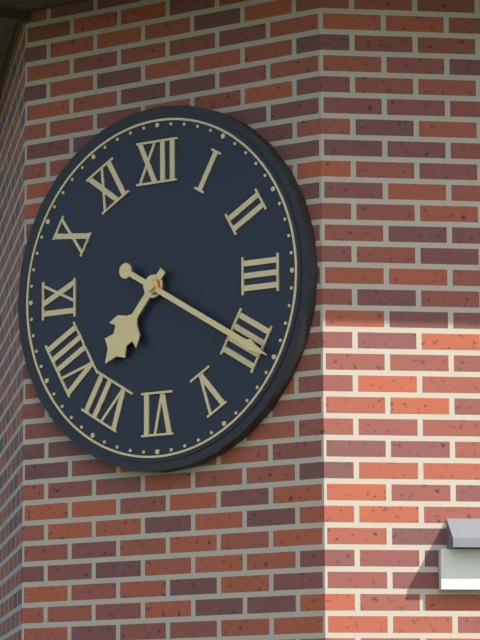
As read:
h=7 m=20
